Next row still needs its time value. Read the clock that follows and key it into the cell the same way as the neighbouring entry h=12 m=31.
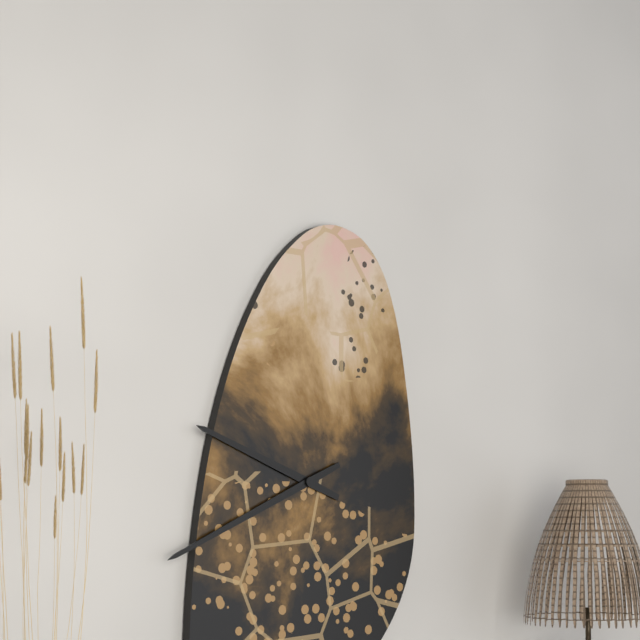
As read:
h=9 m=41
